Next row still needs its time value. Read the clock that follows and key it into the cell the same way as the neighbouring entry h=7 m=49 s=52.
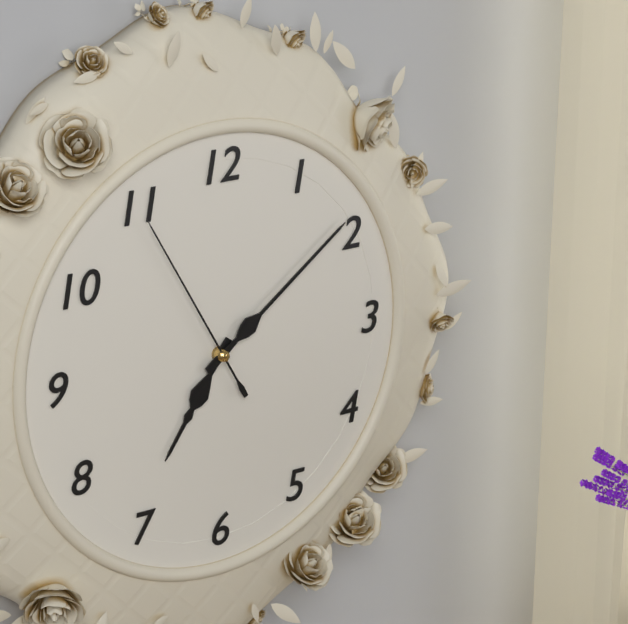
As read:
h=7 m=9 s=55
